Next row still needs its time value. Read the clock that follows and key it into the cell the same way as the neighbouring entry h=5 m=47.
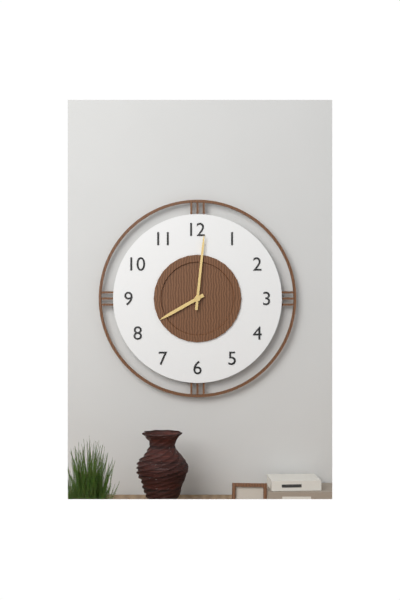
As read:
h=8 m=1
